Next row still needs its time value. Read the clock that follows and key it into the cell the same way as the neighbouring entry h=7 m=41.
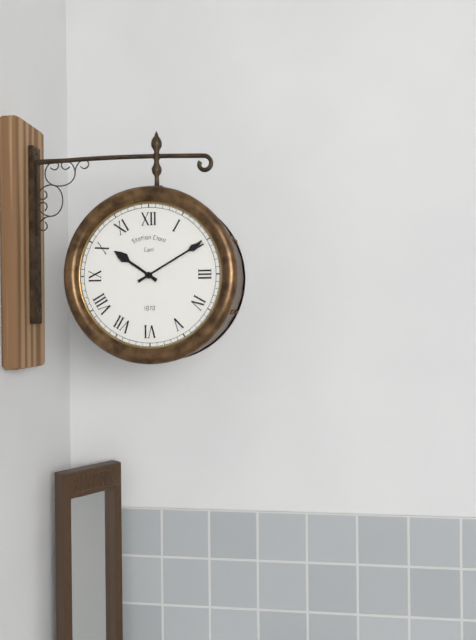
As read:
h=10 m=10
